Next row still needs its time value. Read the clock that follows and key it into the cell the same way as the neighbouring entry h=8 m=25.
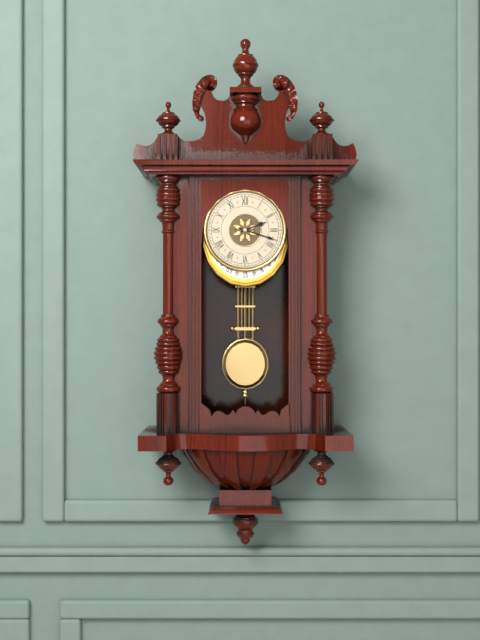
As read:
h=2 m=18
